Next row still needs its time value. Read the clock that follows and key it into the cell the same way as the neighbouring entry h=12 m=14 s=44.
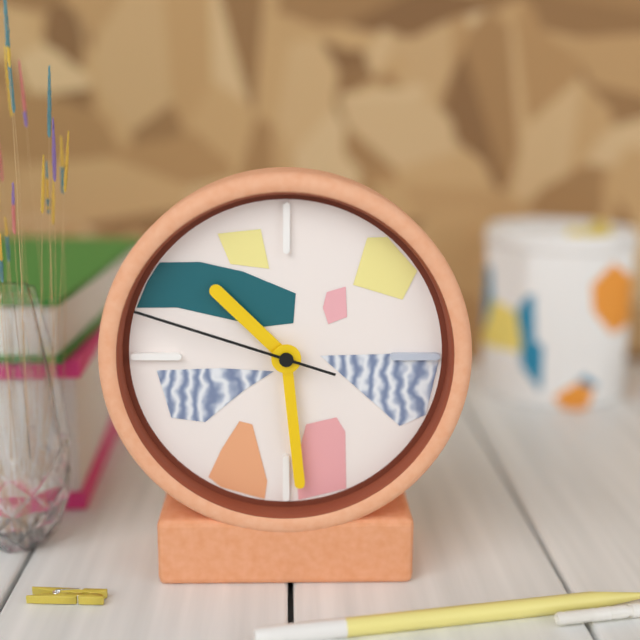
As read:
h=10 m=29 s=48
